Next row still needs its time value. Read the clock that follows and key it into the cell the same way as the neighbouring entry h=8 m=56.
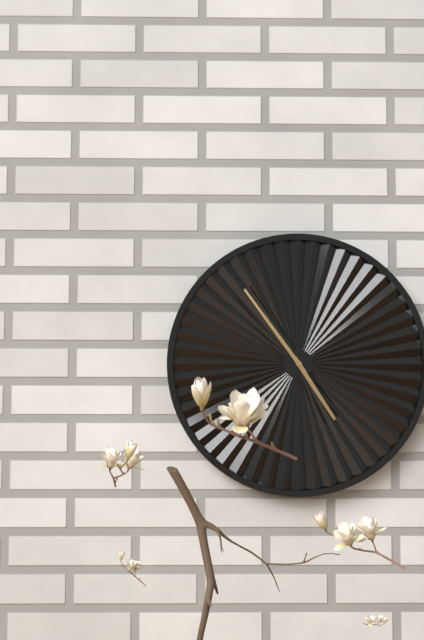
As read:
h=4 m=54
